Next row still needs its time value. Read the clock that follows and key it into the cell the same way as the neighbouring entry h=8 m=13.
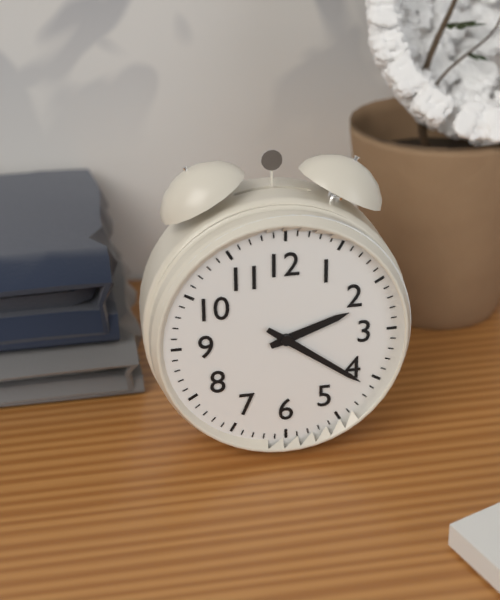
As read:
h=2 m=21
